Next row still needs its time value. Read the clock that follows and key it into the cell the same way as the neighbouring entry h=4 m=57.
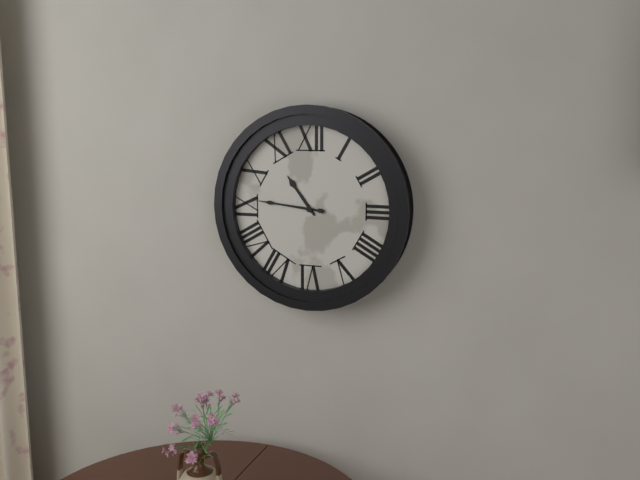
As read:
h=10 m=46
